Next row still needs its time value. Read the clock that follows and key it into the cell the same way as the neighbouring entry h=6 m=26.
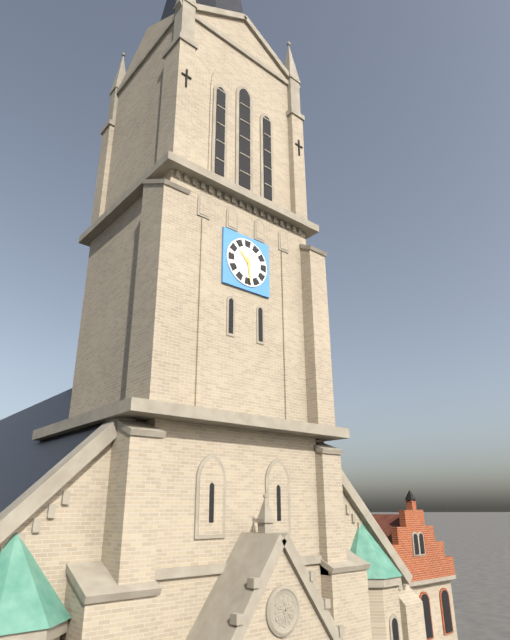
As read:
h=10 m=29
